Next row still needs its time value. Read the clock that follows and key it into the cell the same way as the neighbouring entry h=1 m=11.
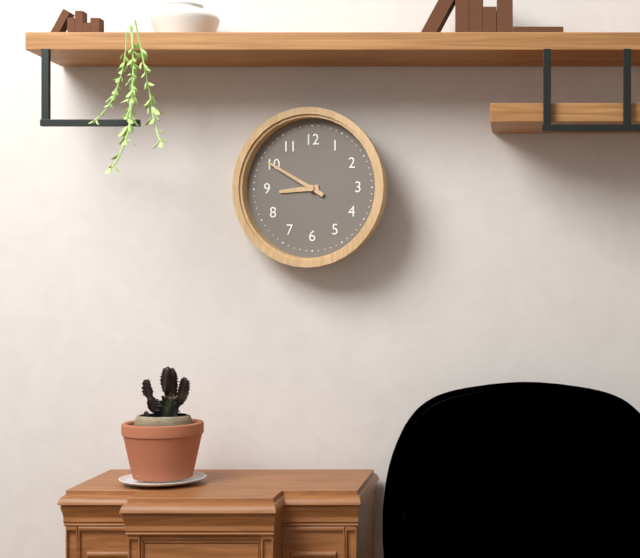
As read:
h=8 m=50
